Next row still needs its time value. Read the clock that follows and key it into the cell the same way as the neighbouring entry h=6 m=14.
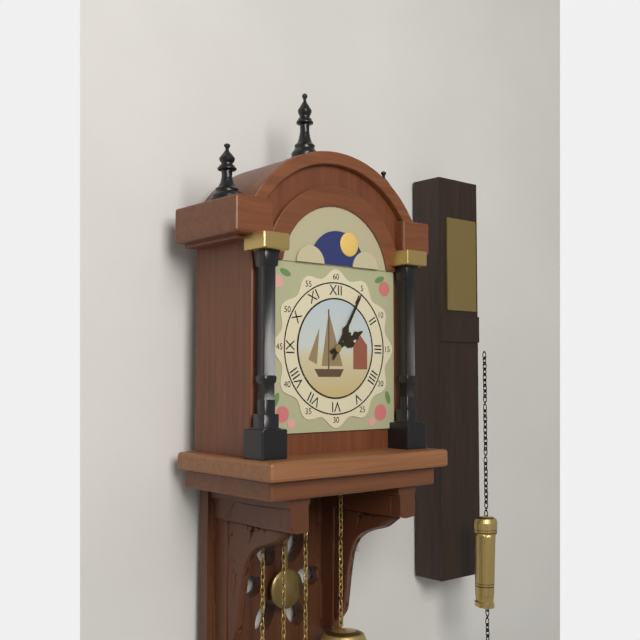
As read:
h=2 m=5
